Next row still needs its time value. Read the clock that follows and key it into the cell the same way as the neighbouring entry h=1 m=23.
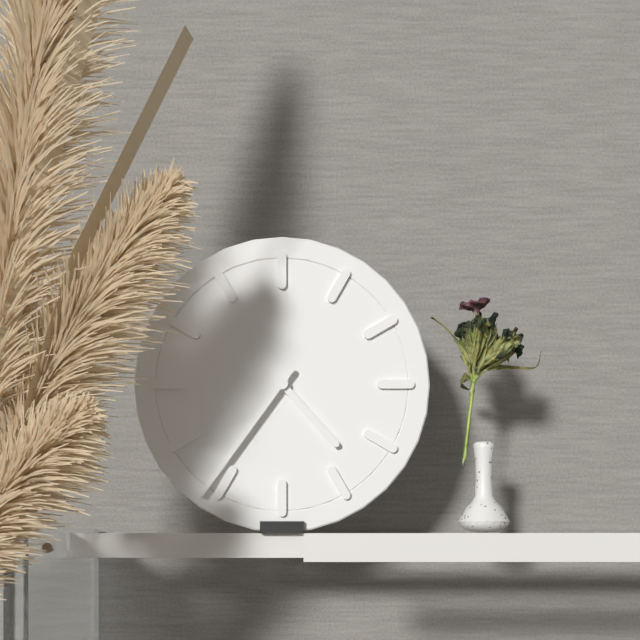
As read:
h=4 m=36
